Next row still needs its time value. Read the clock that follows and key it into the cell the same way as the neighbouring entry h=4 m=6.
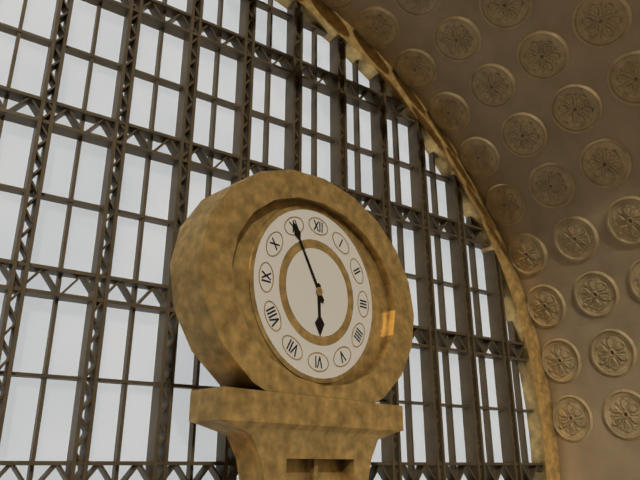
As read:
h=5 m=55
